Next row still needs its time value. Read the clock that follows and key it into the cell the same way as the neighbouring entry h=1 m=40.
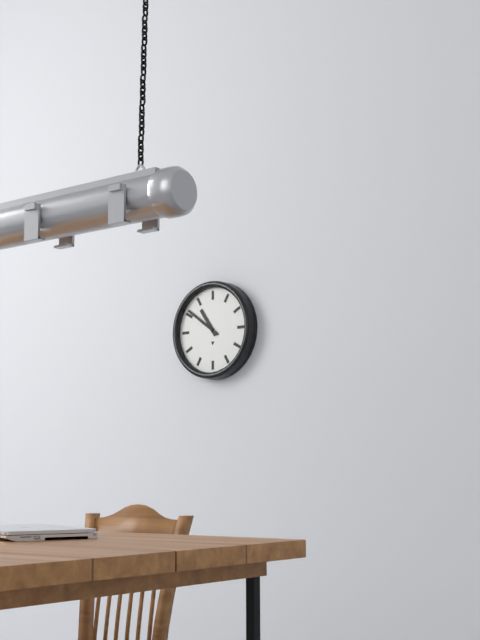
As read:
h=10 m=51
